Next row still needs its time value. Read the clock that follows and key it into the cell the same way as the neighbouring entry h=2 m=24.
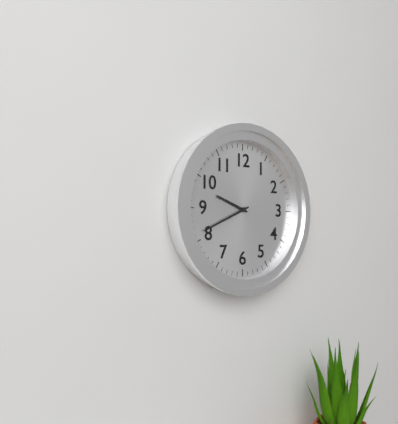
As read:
h=9 m=41
